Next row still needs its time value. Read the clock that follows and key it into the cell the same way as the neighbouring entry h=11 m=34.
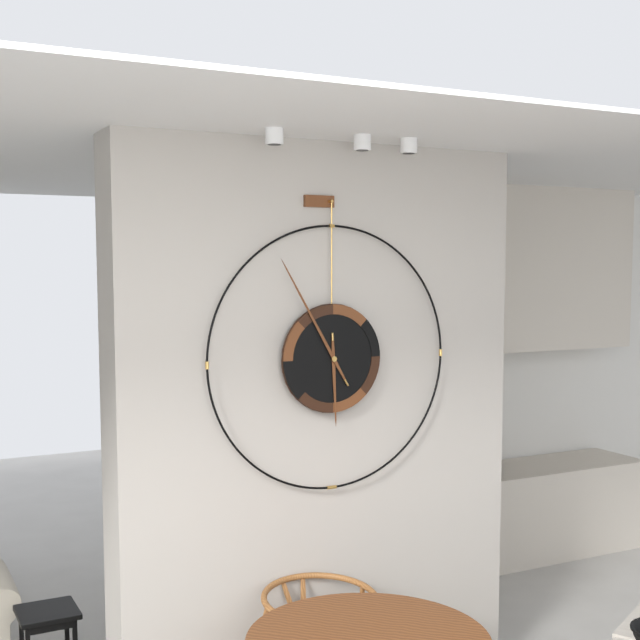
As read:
h=5 m=55
